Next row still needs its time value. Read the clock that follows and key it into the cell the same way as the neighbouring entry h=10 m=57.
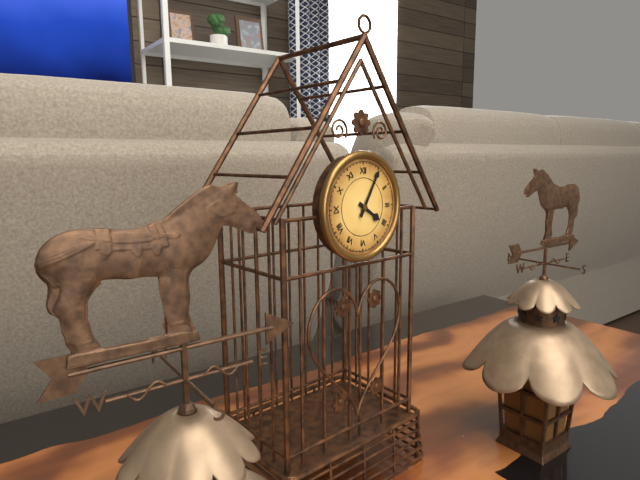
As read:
h=4 m=5
